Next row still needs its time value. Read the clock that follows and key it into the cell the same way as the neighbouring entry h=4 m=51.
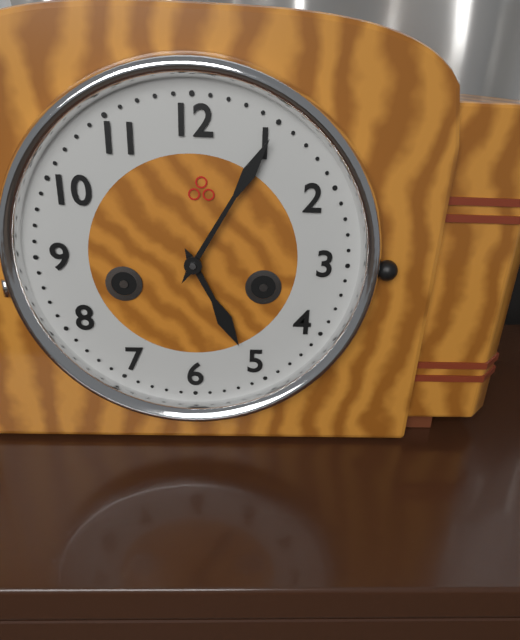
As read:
h=5 m=5
